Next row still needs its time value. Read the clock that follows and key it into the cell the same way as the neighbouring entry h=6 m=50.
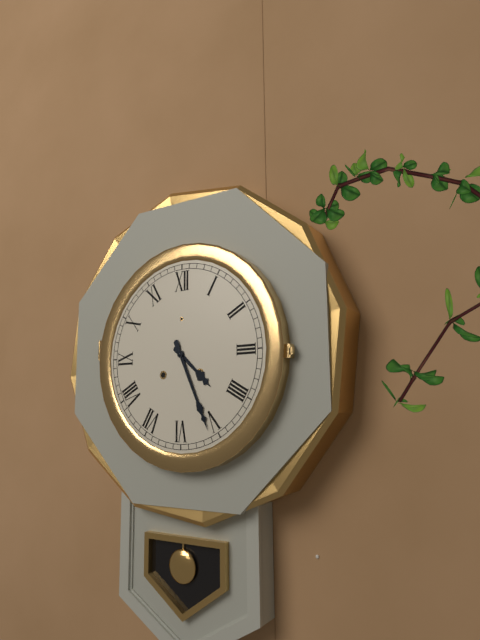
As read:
h=4 m=26
